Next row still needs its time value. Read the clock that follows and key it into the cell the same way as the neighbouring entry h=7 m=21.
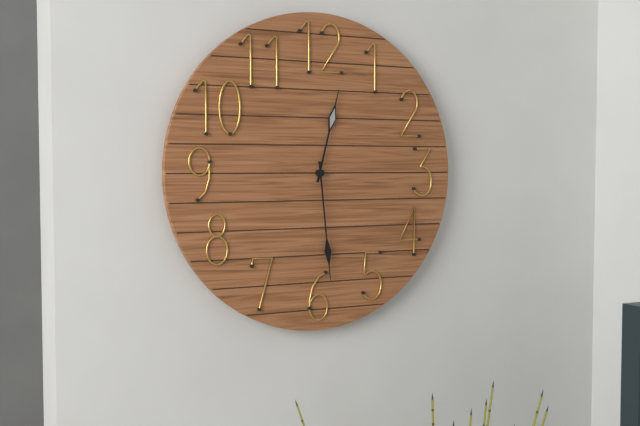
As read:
h=12 m=29
